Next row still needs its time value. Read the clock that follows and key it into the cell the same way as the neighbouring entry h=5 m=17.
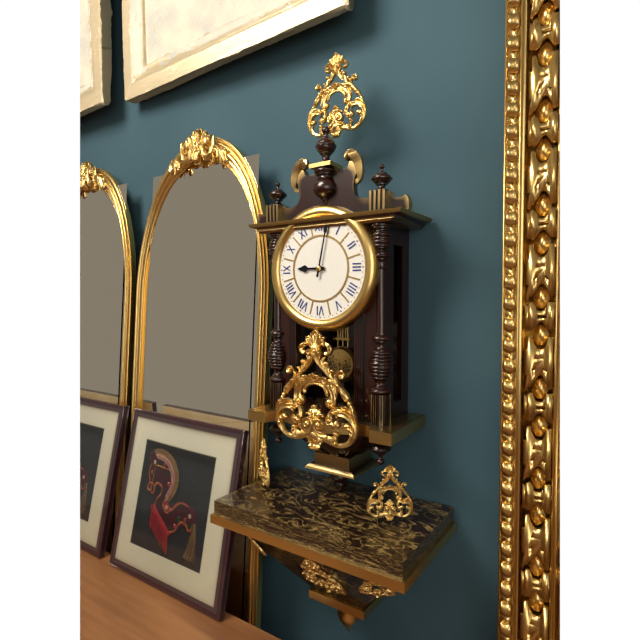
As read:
h=9 m=2
